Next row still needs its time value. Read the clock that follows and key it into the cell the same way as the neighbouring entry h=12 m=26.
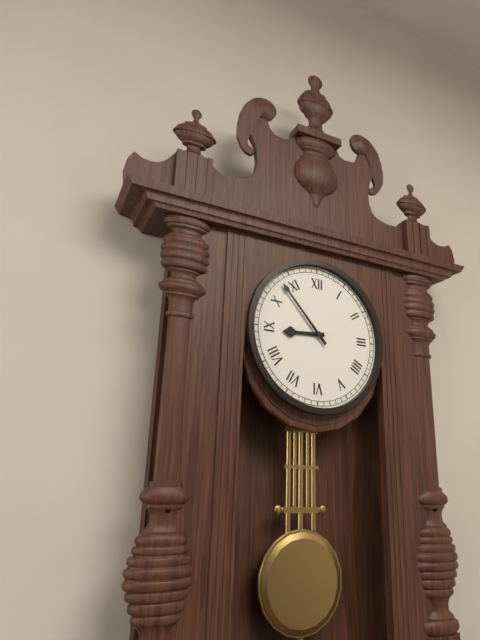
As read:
h=8 m=53
